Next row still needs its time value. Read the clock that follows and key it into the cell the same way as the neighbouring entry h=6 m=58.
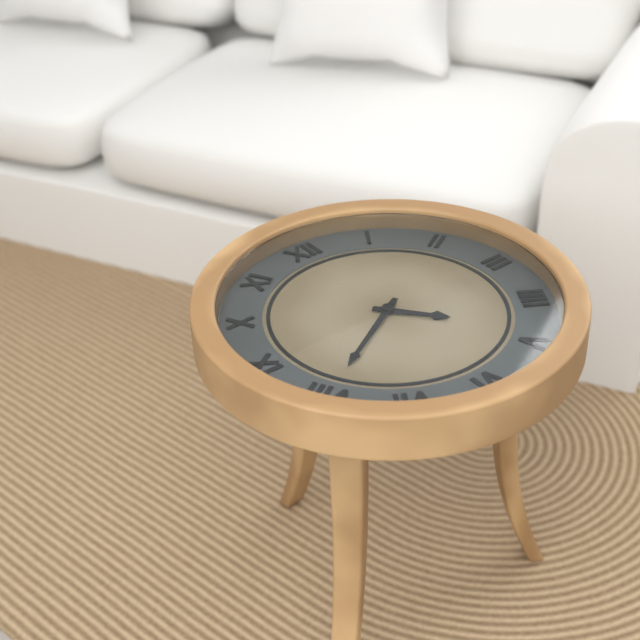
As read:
h=4 m=40
